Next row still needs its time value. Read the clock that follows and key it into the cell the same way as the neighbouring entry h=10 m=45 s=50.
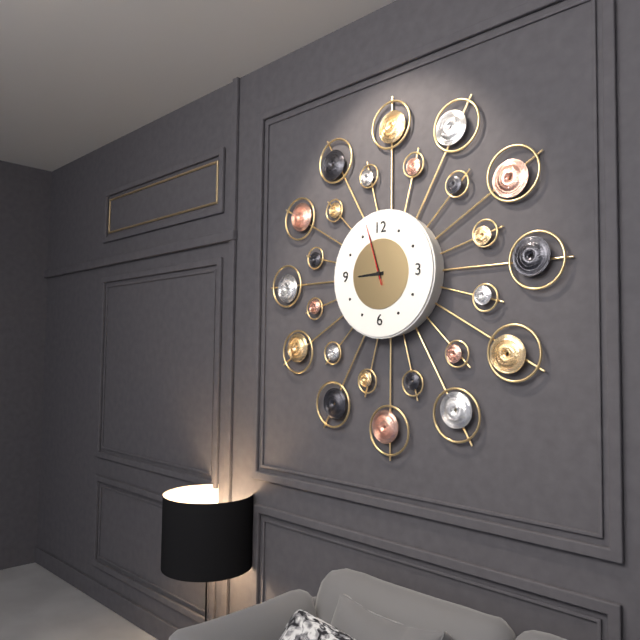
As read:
h=8 m=57 s=57
